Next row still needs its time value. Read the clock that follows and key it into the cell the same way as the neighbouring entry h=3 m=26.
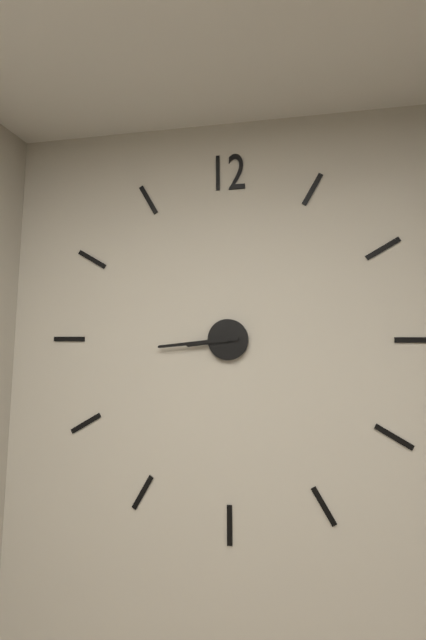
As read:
h=8 m=44
